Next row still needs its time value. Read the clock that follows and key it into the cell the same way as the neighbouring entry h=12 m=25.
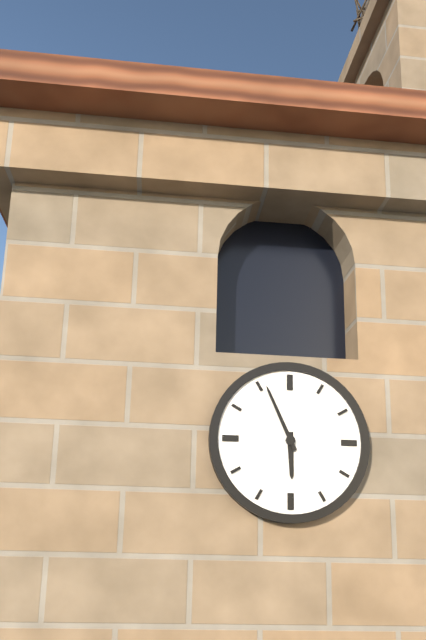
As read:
h=5 m=56
